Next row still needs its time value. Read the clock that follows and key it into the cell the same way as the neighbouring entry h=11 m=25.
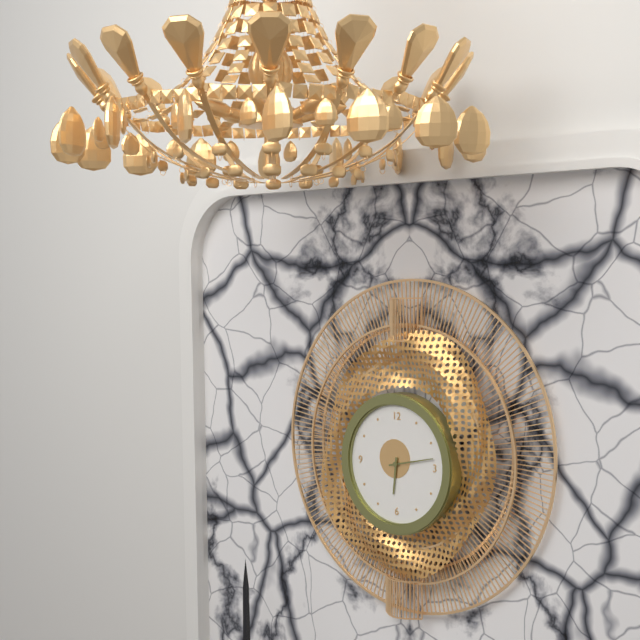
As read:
h=6 m=13
